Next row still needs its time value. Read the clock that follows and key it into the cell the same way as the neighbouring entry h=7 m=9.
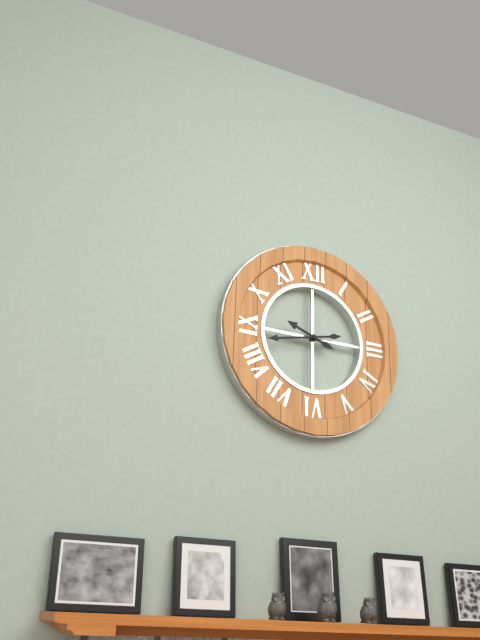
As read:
h=9 m=43
